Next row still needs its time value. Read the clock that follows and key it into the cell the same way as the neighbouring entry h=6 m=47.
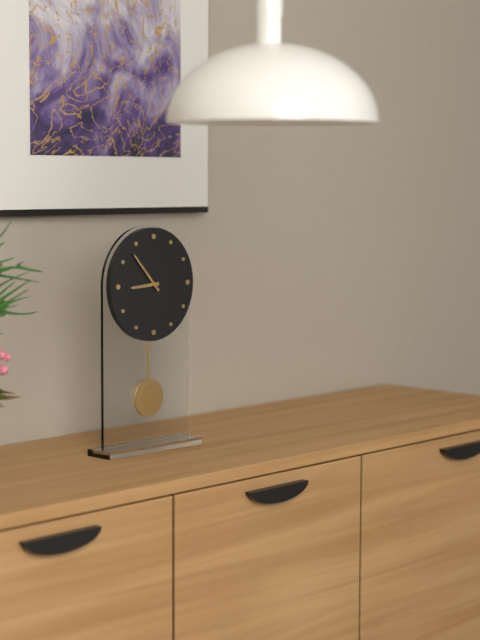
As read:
h=8 m=53
